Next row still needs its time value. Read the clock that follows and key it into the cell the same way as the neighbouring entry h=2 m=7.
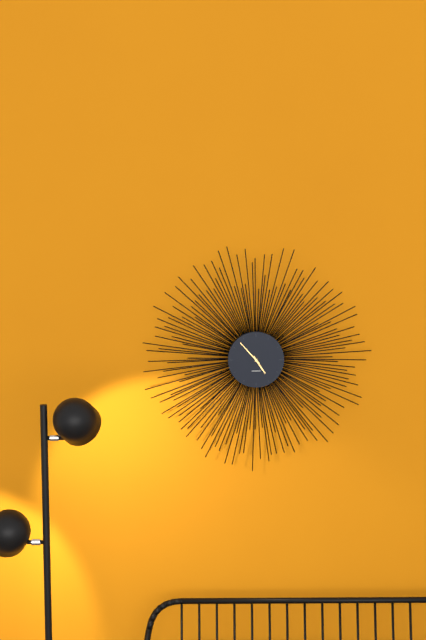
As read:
h=4 m=53
